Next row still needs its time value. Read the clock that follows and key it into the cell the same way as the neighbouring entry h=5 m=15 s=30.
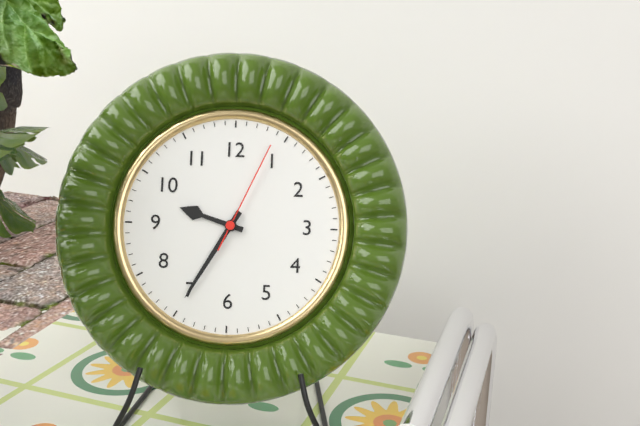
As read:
h=9 m=35 s=4
